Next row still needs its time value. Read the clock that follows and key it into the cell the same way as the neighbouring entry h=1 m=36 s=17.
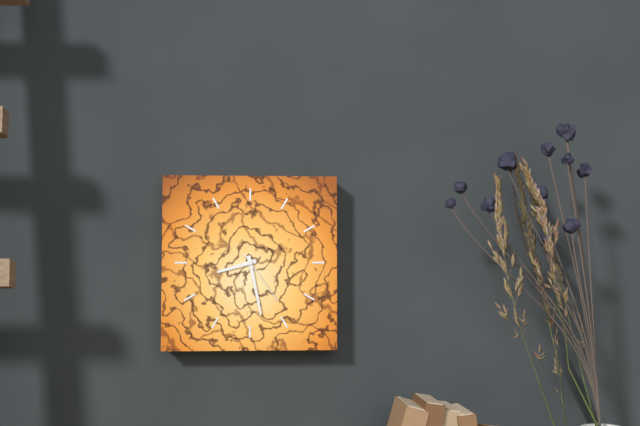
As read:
h=8 m=28 s=24
